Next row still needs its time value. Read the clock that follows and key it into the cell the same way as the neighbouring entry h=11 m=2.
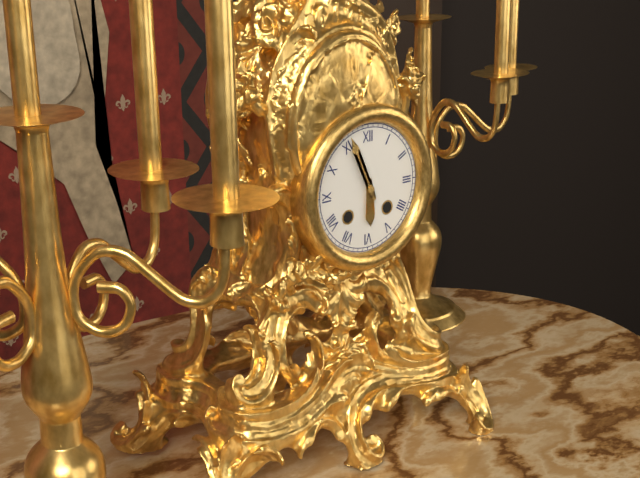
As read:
h=5 m=56
